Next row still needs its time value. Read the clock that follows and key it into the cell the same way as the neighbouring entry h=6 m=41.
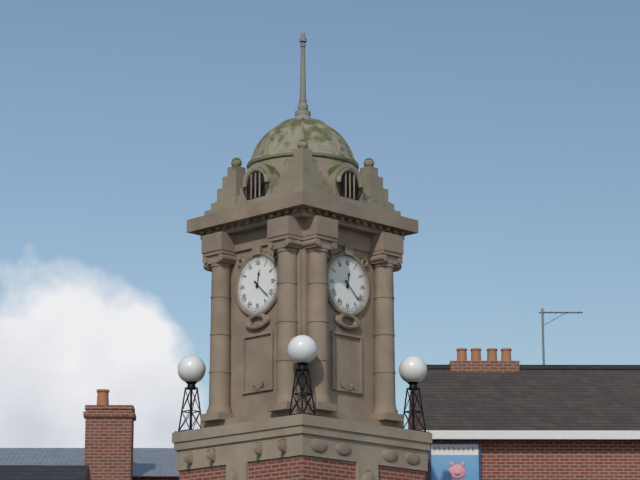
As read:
h=12 m=22
